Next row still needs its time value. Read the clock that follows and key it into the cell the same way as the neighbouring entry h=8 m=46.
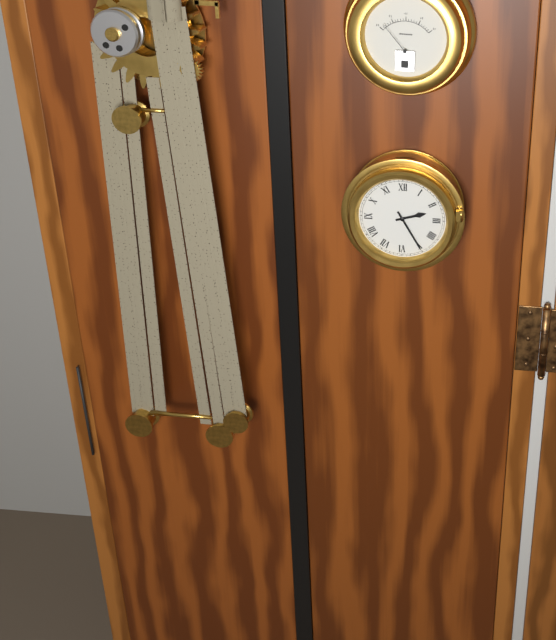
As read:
h=2 m=25
